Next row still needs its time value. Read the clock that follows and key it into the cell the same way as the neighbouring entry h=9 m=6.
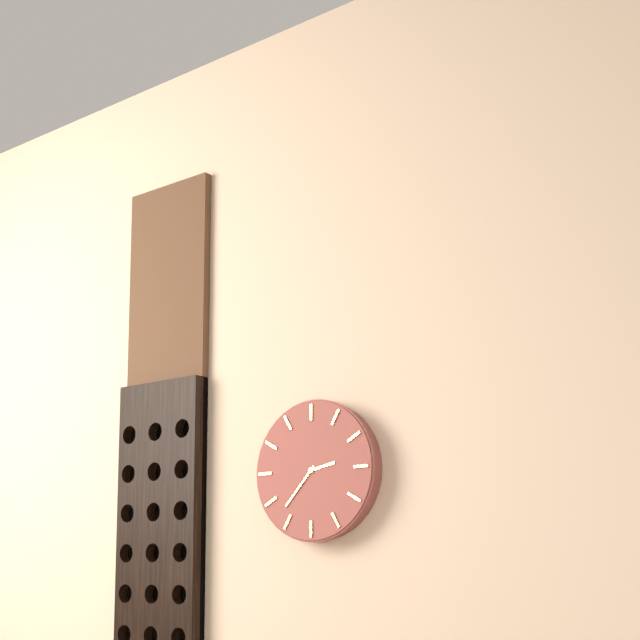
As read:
h=2 m=37
